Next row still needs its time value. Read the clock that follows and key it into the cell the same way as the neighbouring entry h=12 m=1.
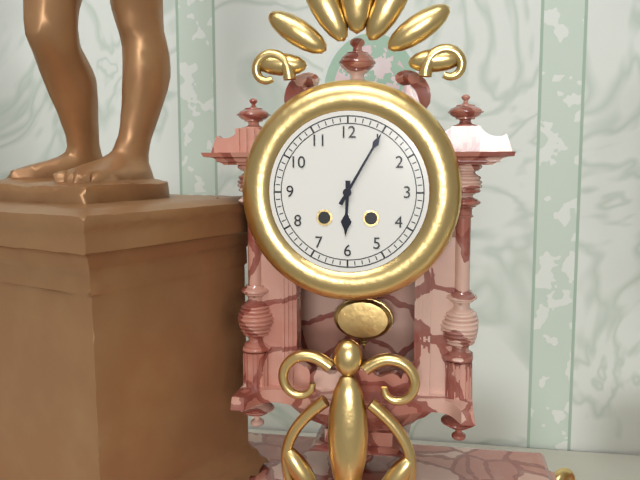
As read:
h=6 m=5
